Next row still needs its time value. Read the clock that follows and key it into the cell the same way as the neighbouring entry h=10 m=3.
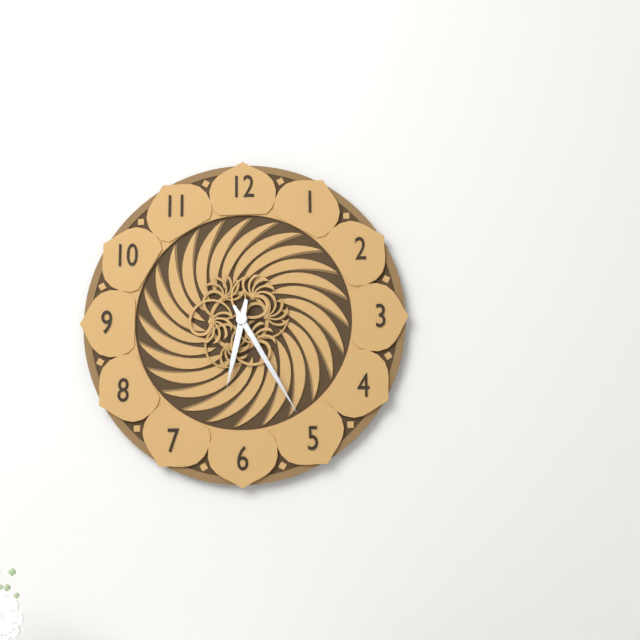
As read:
h=6 m=25
